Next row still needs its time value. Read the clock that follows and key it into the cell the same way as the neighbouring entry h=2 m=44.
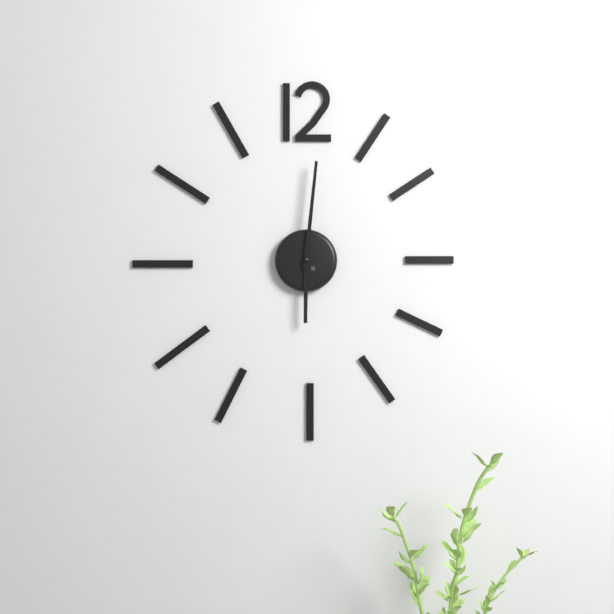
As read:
h=6 m=1
